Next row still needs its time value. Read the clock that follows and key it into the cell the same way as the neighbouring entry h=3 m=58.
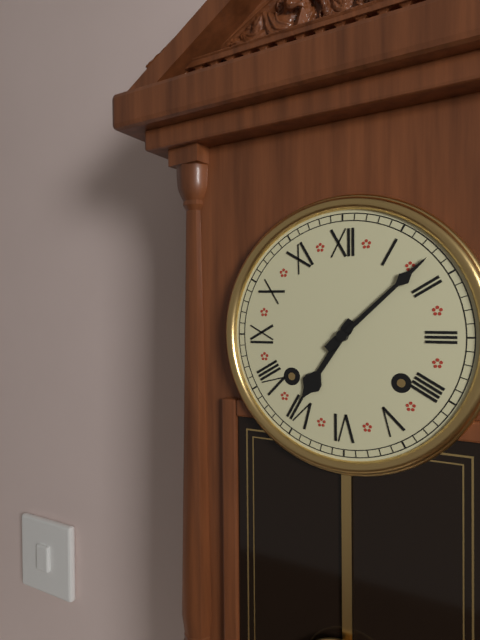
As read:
h=7 m=8
